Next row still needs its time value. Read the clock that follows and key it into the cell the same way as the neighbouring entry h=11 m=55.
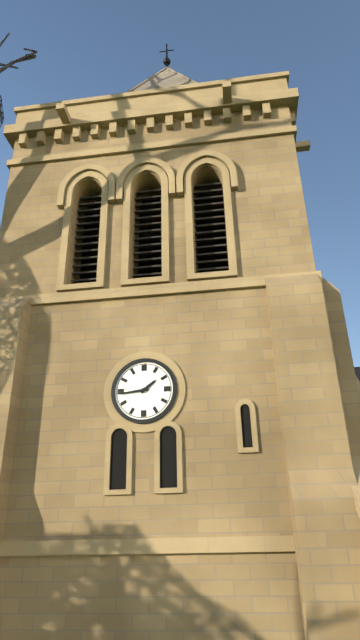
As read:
h=1 m=44
